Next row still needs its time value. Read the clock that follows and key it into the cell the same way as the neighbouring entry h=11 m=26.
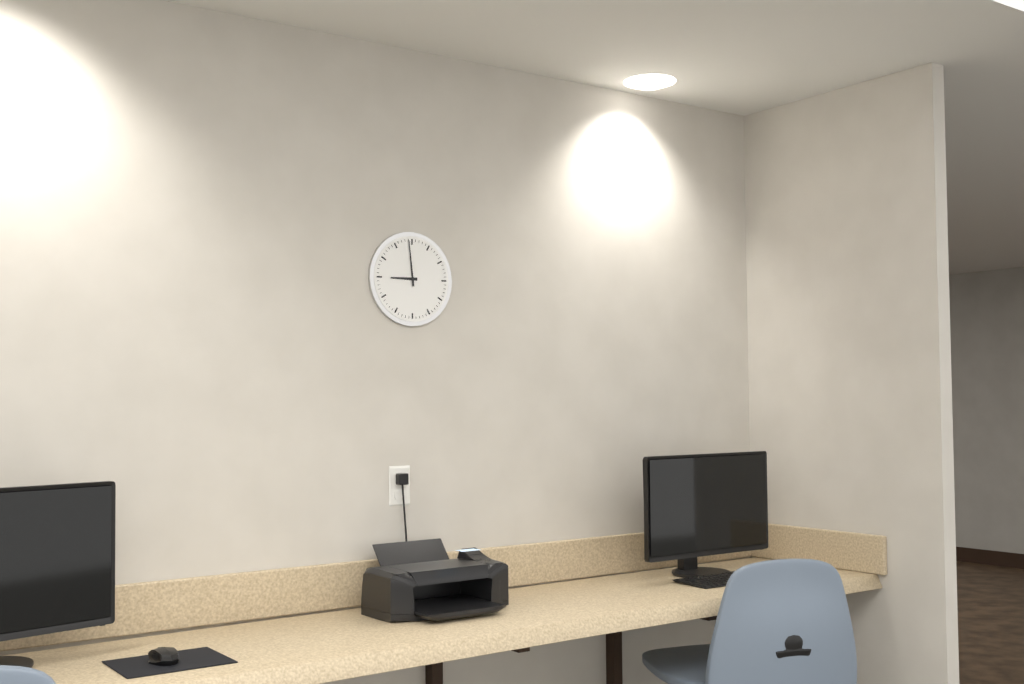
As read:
h=8 m=59
